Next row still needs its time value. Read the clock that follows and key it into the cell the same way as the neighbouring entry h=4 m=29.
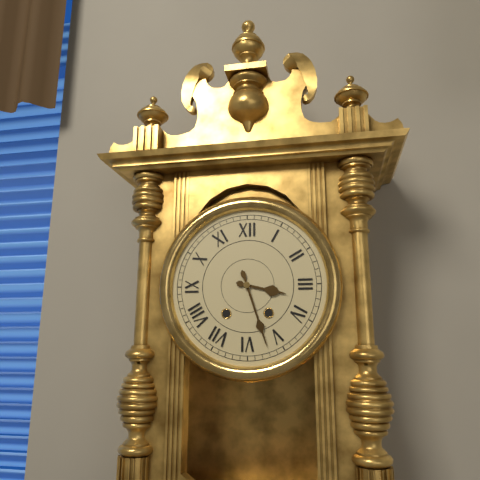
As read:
h=3 m=27
